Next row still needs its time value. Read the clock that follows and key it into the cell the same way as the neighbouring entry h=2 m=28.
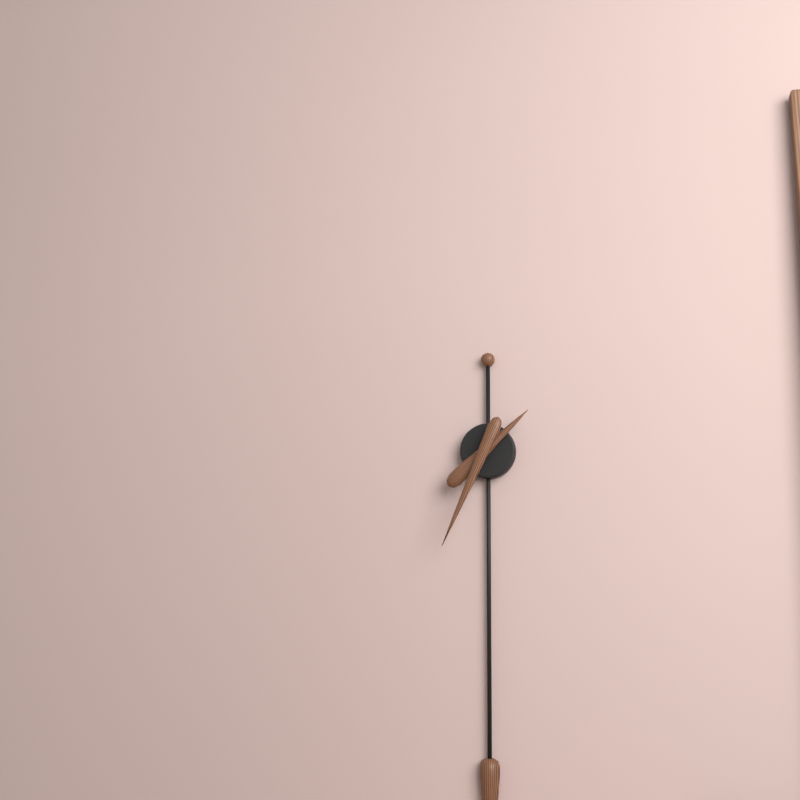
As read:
h=1 m=34
